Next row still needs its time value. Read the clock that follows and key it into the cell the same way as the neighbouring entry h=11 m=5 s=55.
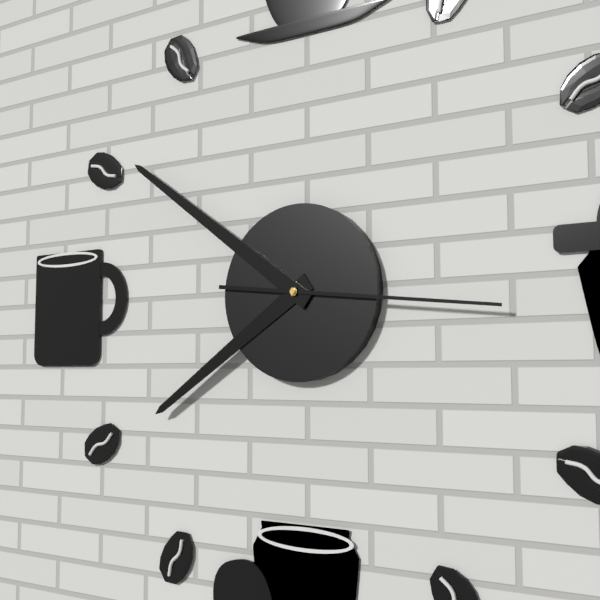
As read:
h=7 m=51 s=16
